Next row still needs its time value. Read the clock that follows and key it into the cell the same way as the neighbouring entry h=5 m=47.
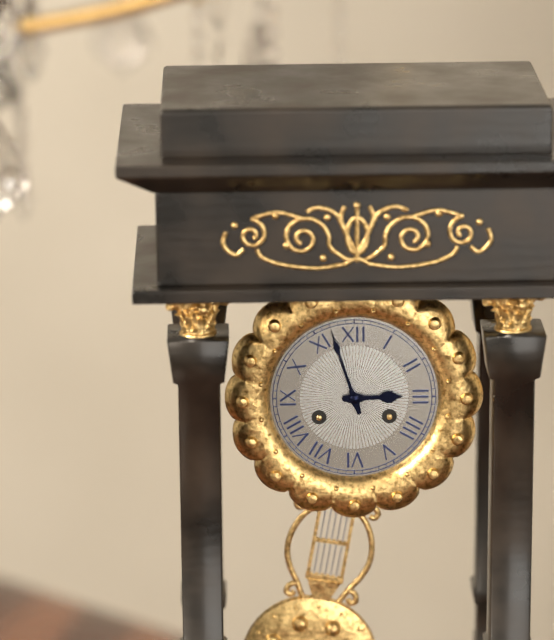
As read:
h=2 m=57
